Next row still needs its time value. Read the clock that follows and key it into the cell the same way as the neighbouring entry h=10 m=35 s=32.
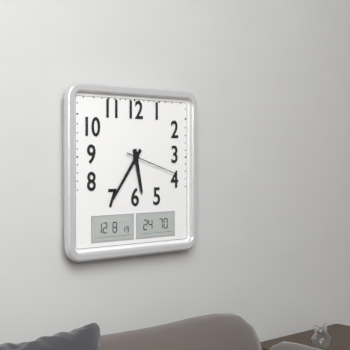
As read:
h=5 m=36 s=18
